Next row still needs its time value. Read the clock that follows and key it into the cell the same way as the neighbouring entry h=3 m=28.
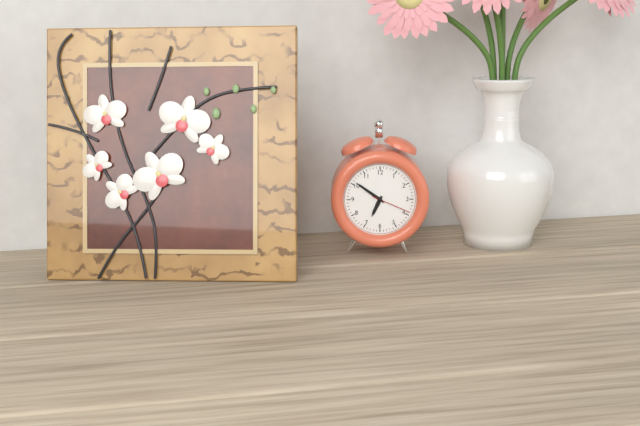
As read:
h=6 m=51
